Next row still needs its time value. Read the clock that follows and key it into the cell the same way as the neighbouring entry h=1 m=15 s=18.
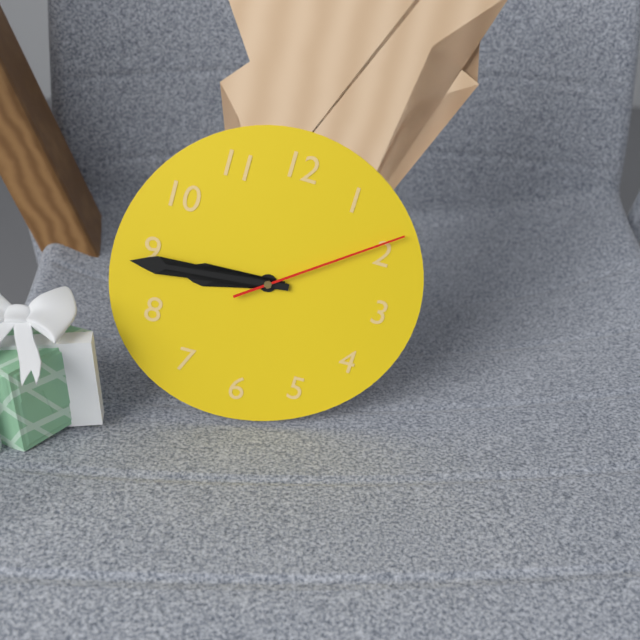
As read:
h=8 m=44 s=9
